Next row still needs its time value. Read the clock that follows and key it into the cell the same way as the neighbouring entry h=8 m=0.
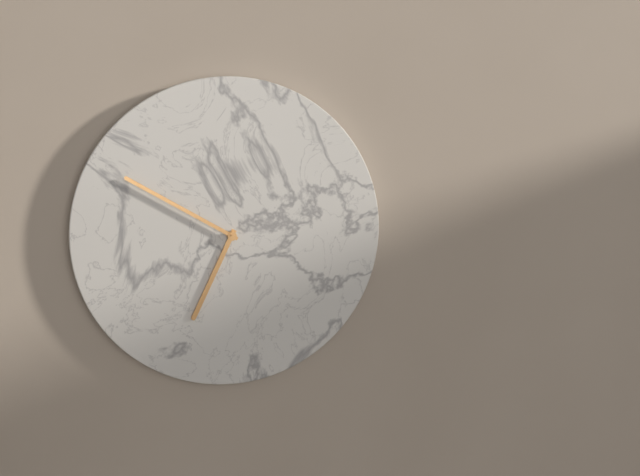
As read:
h=6 m=50
